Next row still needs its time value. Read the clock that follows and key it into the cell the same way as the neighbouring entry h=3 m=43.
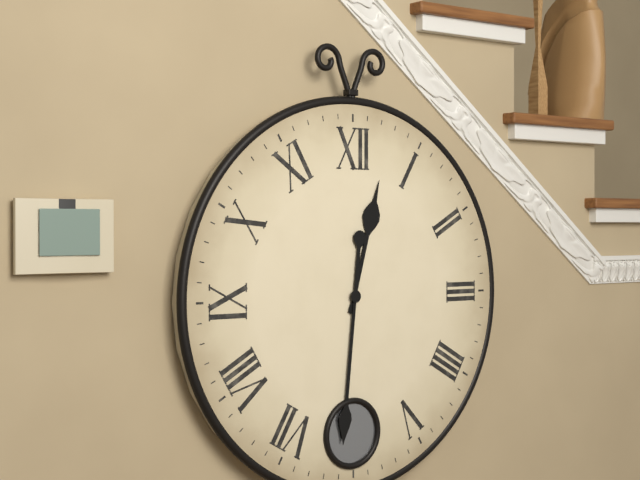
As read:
h=12 m=31
